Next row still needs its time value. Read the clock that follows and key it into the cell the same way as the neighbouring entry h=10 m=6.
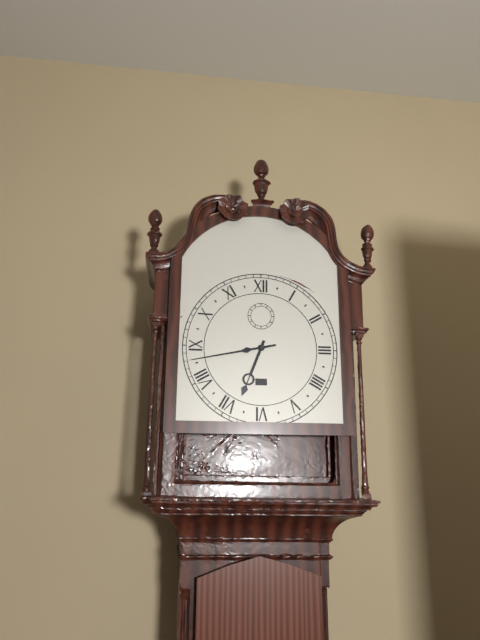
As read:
h=6 m=43
